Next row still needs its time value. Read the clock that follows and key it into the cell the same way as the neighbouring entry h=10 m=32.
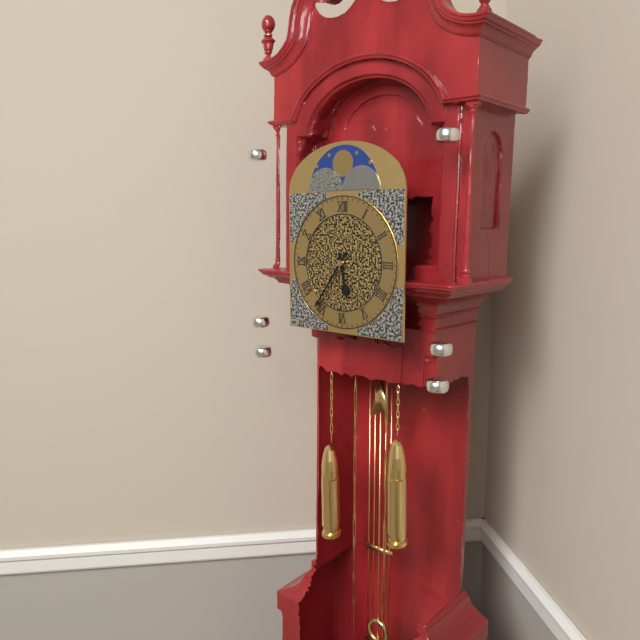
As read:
h=5 m=36
